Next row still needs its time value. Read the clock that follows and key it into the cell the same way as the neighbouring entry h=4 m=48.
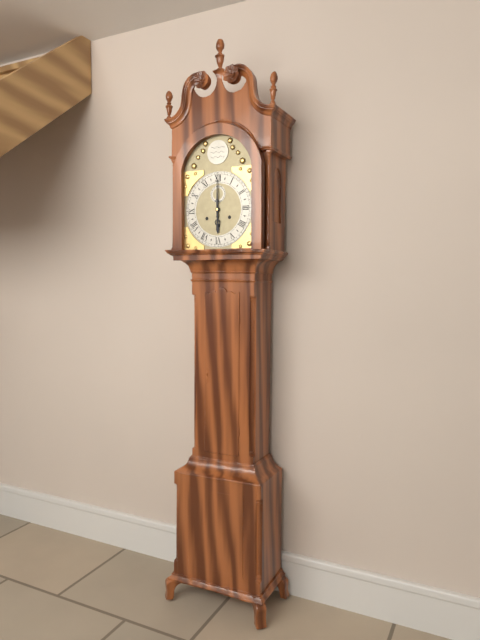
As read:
h=6 m=0
